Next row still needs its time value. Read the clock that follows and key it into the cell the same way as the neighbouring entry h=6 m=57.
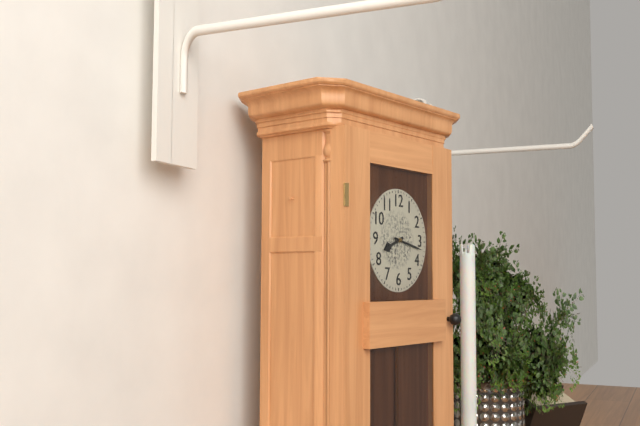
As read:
h=8 m=17
